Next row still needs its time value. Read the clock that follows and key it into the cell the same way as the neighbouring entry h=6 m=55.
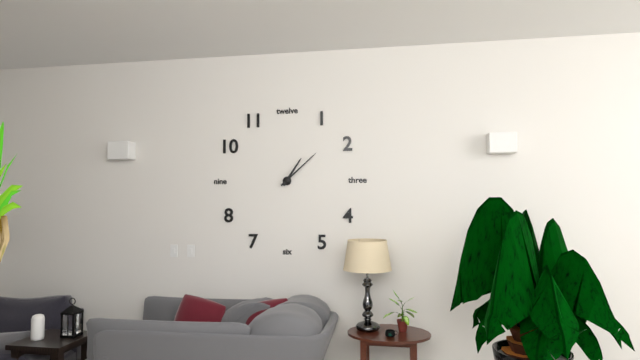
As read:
h=1 m=8
